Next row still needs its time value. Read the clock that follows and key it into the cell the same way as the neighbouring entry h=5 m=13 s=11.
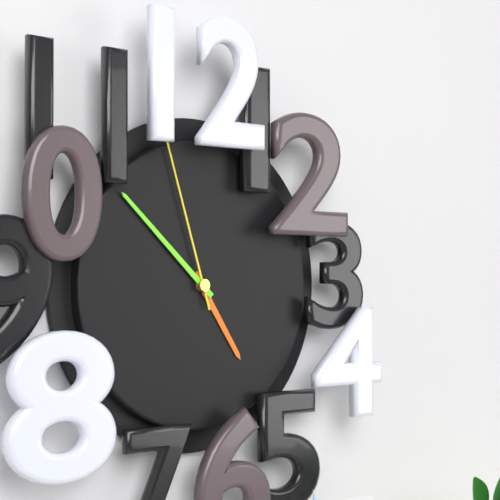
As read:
h=4 m=52 s=57
